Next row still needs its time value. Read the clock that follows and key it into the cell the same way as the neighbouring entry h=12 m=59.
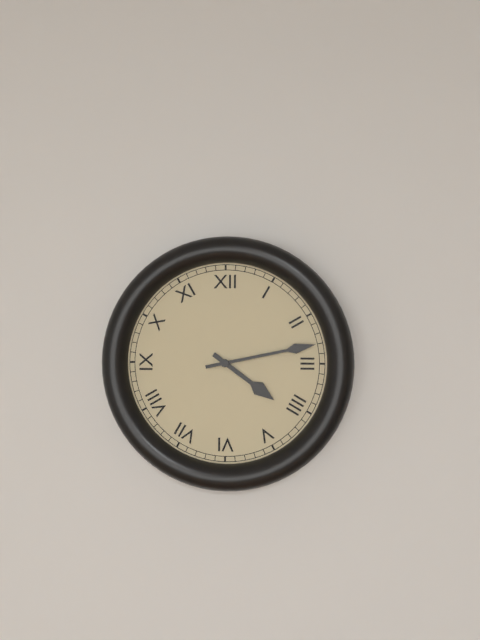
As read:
h=4 m=13
